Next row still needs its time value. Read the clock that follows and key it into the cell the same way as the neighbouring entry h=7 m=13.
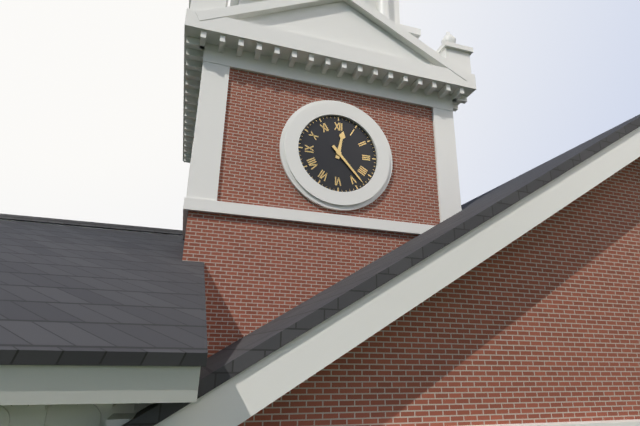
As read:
h=12 m=23
